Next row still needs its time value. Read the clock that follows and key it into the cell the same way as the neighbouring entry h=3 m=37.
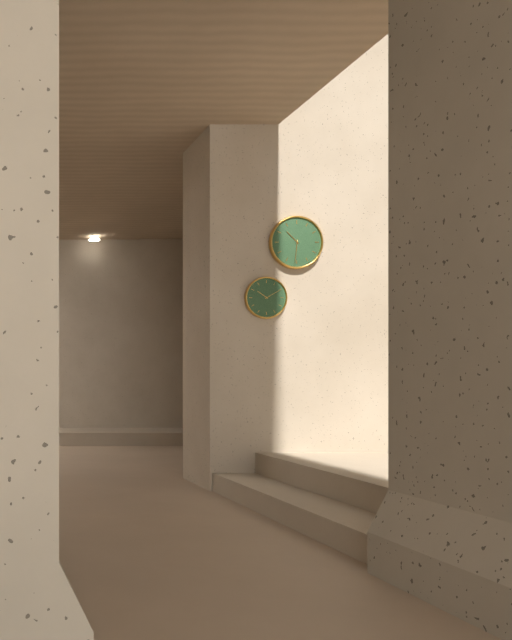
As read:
h=10 m=31
